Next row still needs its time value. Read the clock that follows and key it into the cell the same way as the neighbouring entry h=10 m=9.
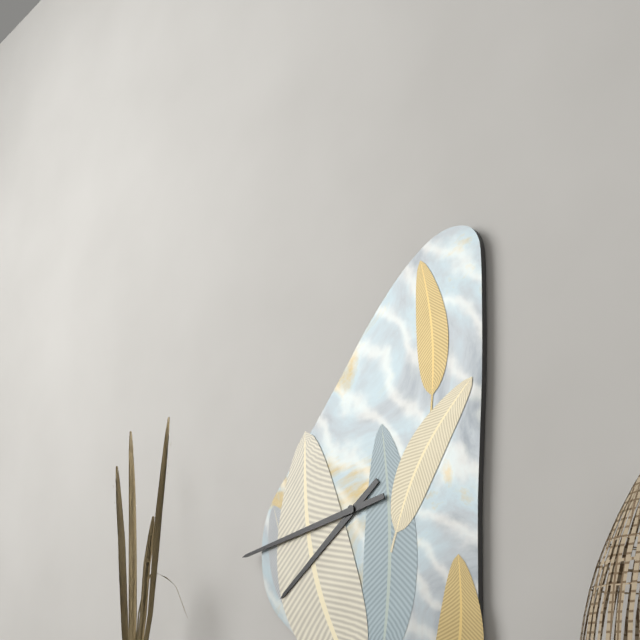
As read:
h=7 m=43
